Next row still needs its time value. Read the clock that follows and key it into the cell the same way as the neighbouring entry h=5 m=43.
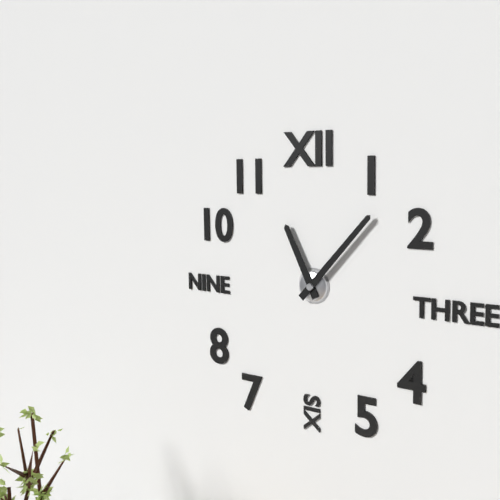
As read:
h=11 m=7
